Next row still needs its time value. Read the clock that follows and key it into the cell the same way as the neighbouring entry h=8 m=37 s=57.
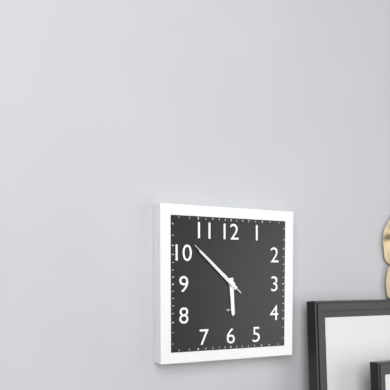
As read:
h=5 m=52 s=52
